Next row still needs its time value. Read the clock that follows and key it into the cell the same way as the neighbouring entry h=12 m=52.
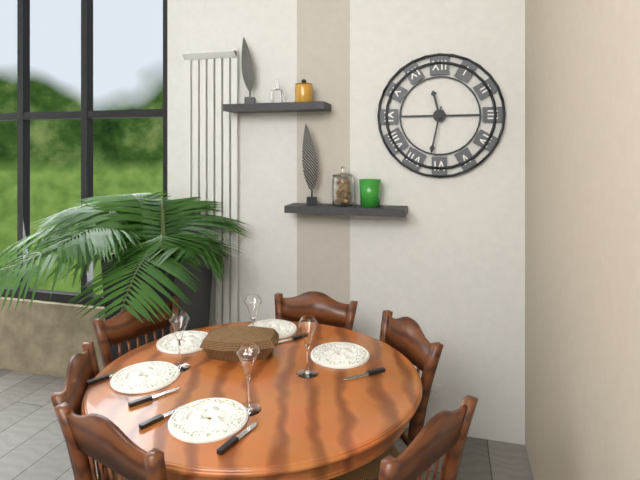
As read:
h=11 m=32
